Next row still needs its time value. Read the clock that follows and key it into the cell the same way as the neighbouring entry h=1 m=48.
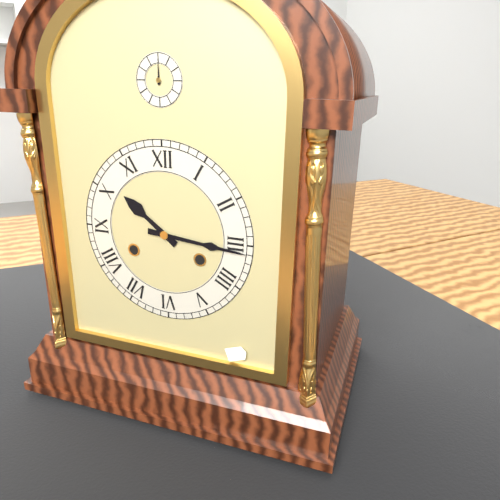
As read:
h=10 m=16
